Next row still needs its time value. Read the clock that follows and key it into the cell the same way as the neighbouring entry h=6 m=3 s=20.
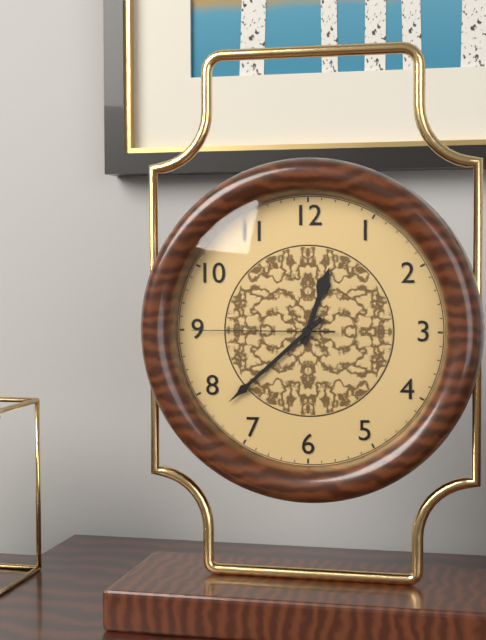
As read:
h=12 m=38 s=45
